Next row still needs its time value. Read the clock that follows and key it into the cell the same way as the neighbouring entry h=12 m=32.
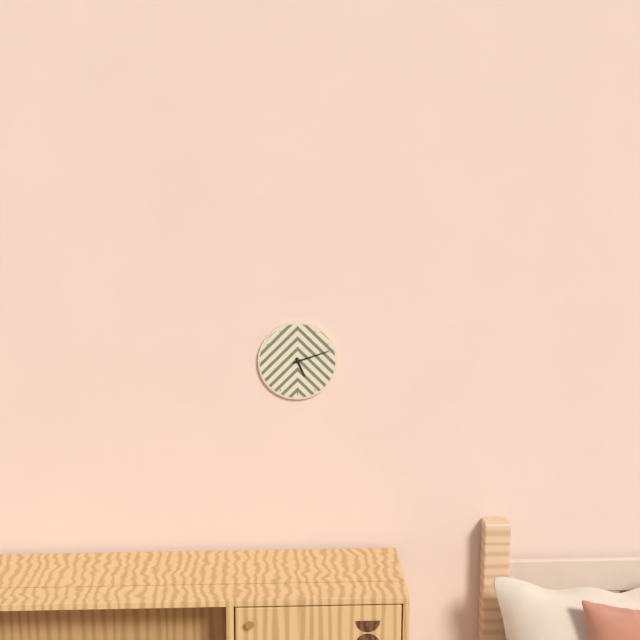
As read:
h=5 m=12
